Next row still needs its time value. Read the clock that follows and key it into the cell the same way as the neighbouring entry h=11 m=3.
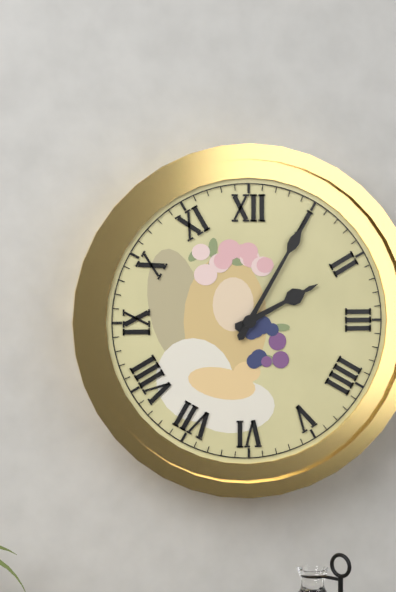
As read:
h=2 m=5
